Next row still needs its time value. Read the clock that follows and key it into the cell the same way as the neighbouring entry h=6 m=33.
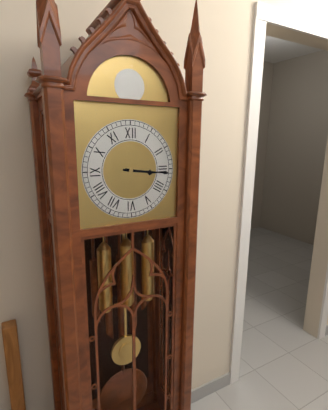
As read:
h=3 m=16
